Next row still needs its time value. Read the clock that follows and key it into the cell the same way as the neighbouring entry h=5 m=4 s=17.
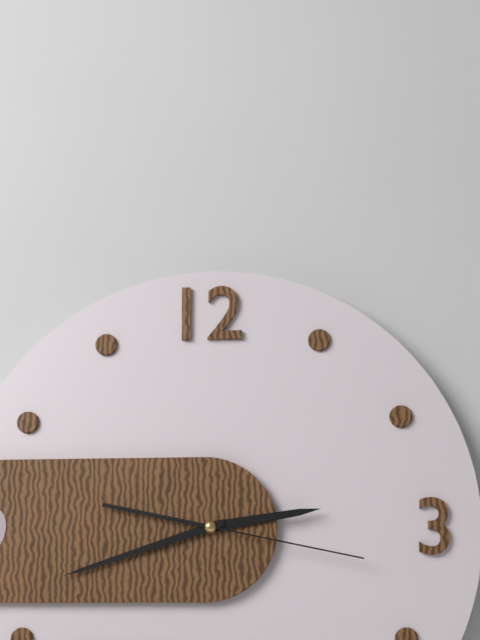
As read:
h=2 m=42 s=17
